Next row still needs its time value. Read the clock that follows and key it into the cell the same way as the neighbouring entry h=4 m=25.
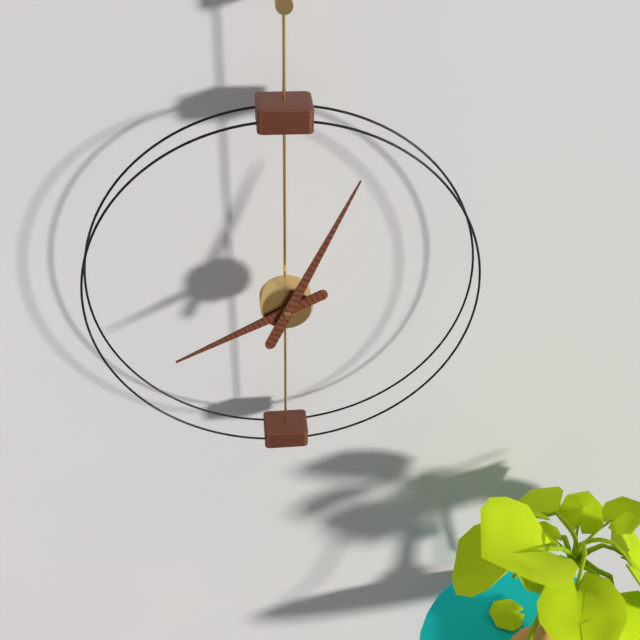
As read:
h=8 m=4
